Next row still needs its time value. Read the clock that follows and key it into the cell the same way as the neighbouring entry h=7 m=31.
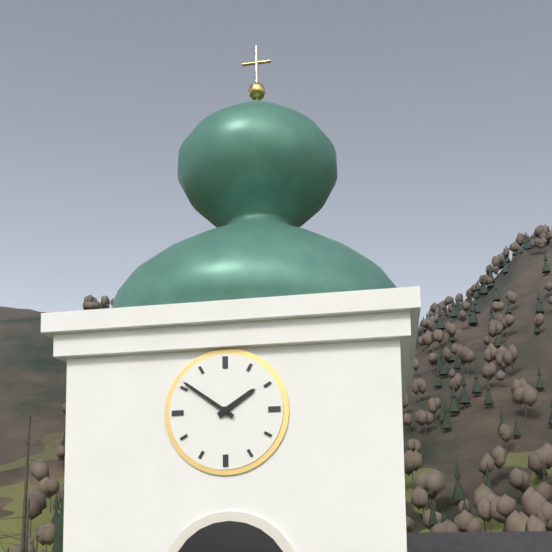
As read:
h=1 m=51
